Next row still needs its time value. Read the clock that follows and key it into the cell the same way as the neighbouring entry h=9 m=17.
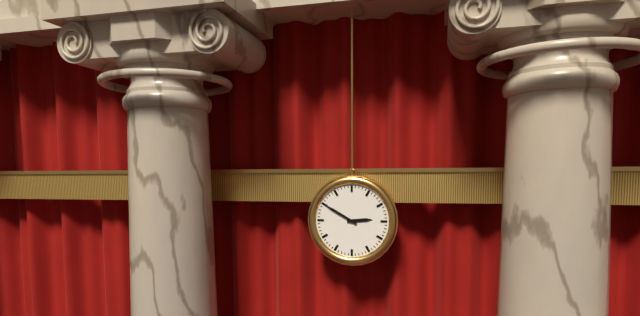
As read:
h=2 m=50
